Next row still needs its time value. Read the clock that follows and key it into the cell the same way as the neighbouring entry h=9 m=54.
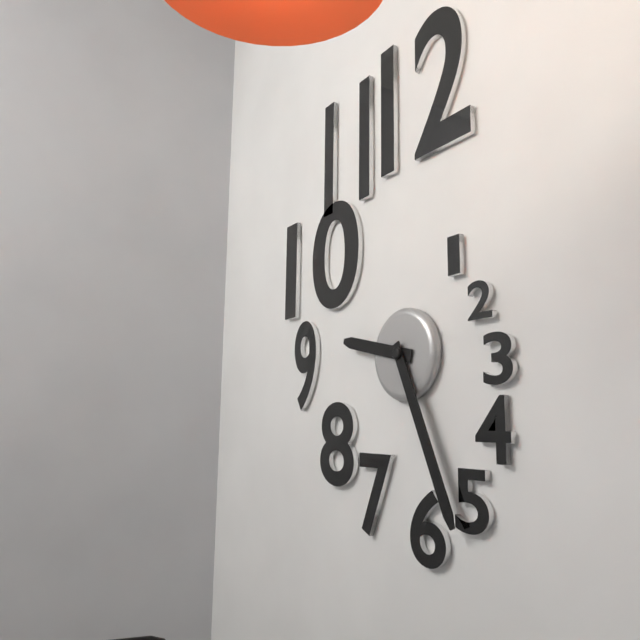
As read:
h=9 m=26
